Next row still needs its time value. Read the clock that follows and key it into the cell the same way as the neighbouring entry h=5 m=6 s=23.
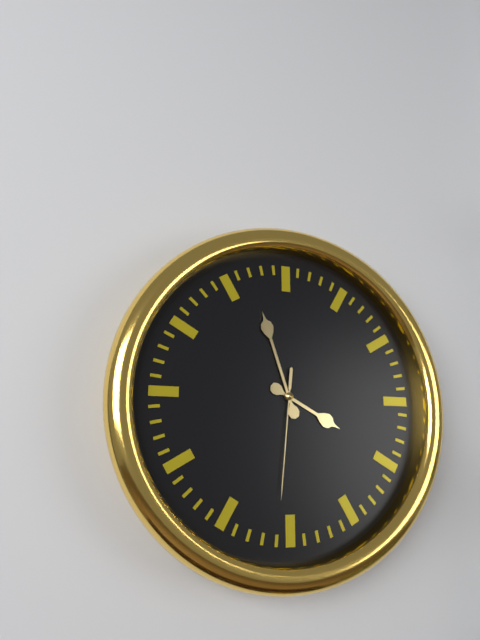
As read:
h=3 m=57 s=31
